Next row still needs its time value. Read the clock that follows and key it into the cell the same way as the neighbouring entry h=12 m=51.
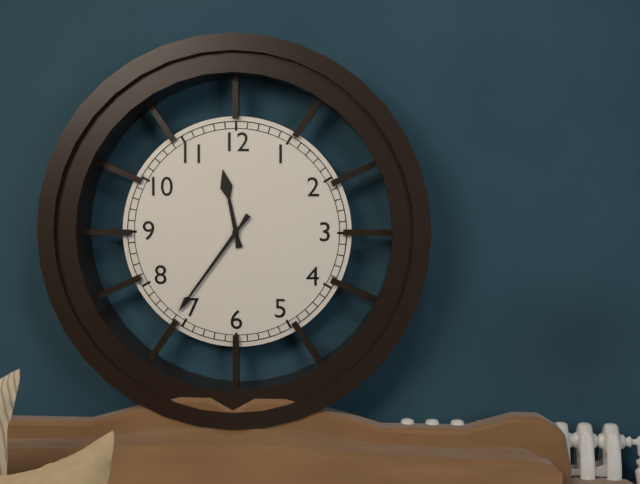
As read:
h=11 m=36
